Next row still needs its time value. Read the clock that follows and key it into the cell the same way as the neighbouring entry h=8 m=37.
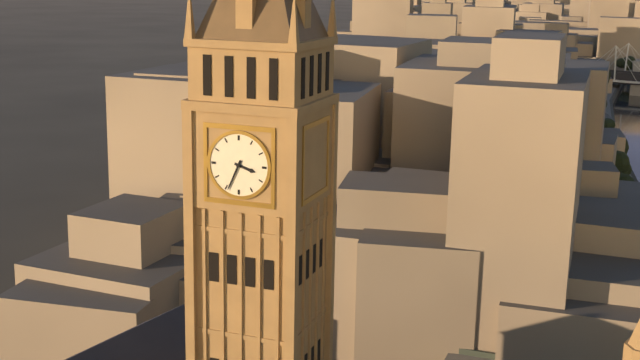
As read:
h=3 m=34
